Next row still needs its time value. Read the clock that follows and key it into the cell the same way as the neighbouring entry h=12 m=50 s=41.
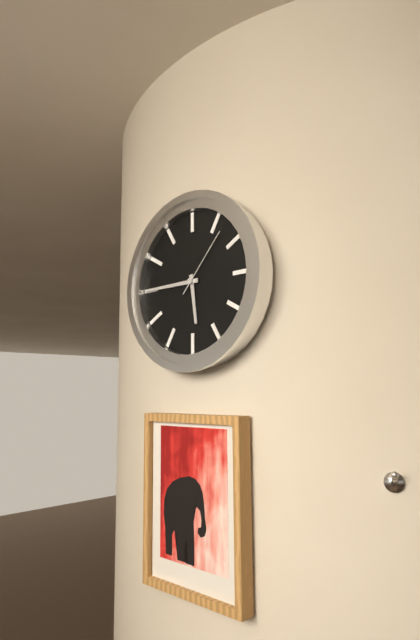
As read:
h=5 m=45 s=7
